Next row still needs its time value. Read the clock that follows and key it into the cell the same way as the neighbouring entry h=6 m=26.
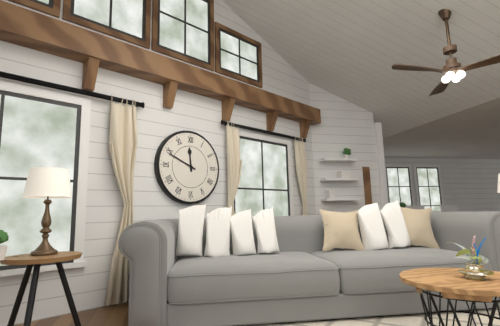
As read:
h=11 m=49
